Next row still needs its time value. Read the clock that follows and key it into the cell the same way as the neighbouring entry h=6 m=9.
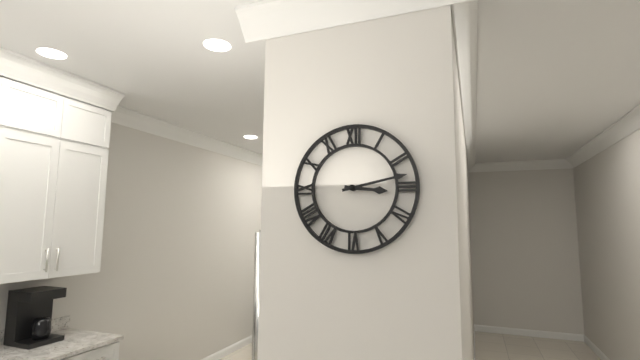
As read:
h=3 m=13
